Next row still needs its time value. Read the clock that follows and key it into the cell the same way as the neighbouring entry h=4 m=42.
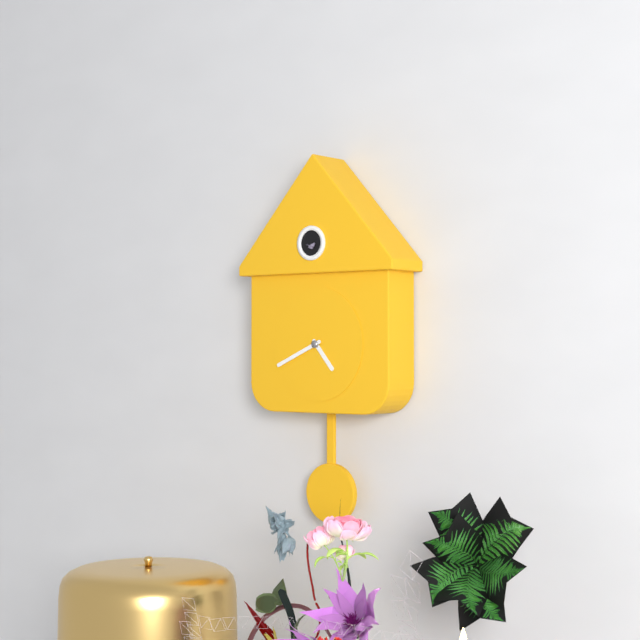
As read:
h=4 m=41
